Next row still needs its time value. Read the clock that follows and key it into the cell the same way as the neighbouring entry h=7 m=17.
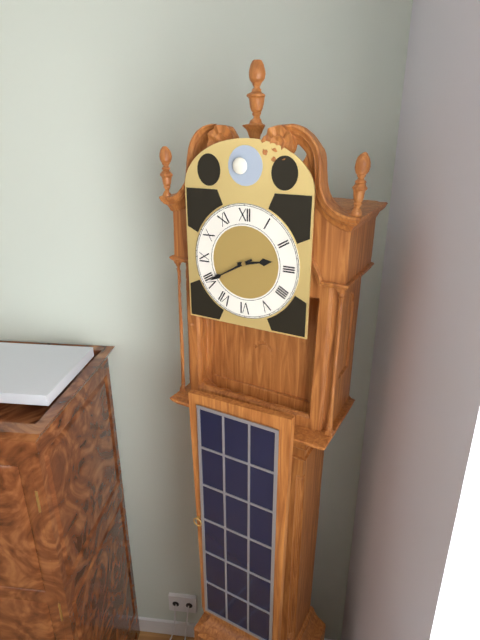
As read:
h=2 m=40
